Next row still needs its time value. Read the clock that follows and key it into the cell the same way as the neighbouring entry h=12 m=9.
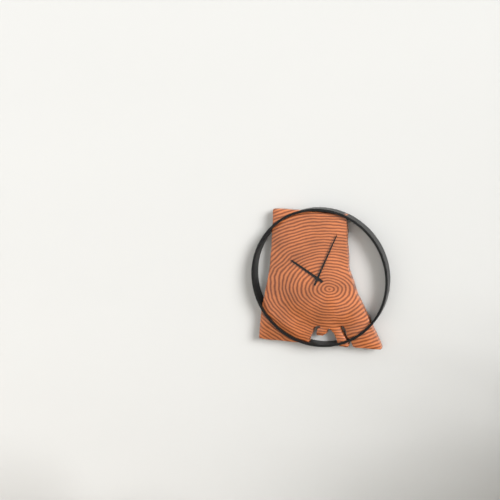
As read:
h=10 m=4
